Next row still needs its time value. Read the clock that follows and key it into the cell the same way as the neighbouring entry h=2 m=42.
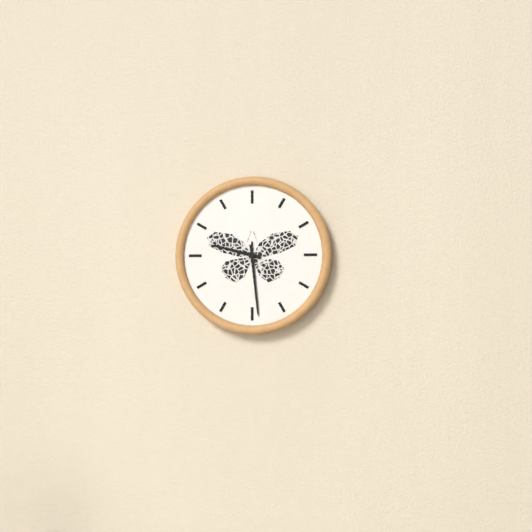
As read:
h=9 m=29
